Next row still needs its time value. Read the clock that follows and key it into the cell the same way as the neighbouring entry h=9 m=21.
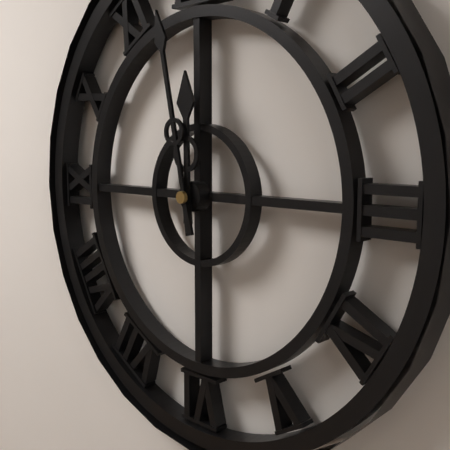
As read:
h=11 m=58
